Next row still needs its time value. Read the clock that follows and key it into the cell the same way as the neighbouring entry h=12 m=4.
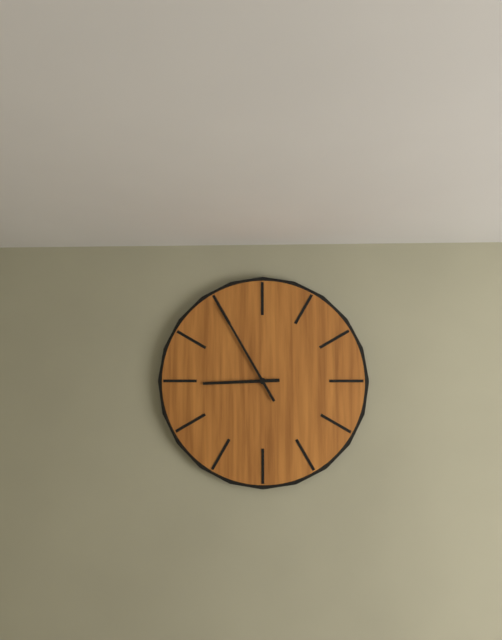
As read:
h=8 m=55
